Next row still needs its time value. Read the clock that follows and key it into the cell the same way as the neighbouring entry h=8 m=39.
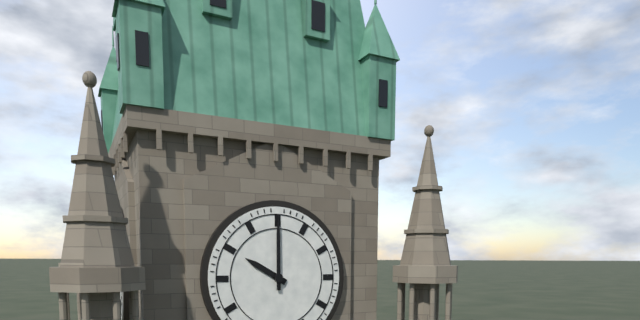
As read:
h=10 m=0
